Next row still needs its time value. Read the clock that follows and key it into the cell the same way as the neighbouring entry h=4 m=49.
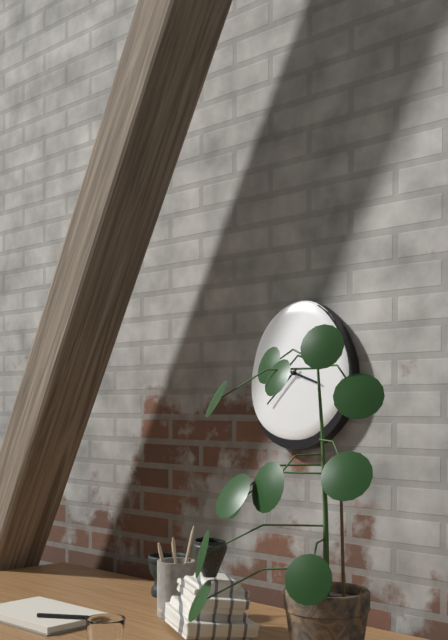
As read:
h=3 m=38
